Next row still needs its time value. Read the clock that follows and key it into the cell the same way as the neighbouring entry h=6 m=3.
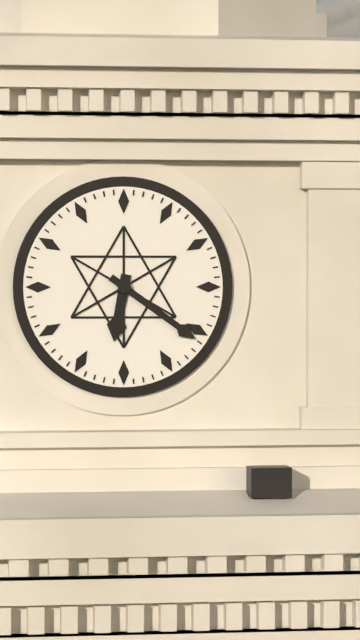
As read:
h=6 m=21
